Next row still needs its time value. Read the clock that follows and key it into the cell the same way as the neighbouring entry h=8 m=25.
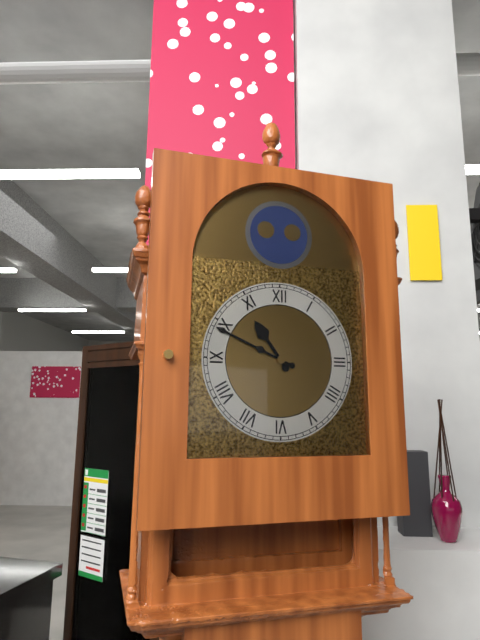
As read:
h=10 m=49
